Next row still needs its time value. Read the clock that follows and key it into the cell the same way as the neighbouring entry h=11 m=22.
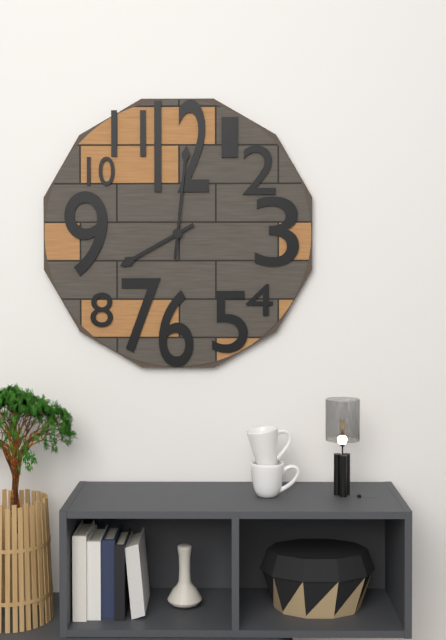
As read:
h=8 m=1
